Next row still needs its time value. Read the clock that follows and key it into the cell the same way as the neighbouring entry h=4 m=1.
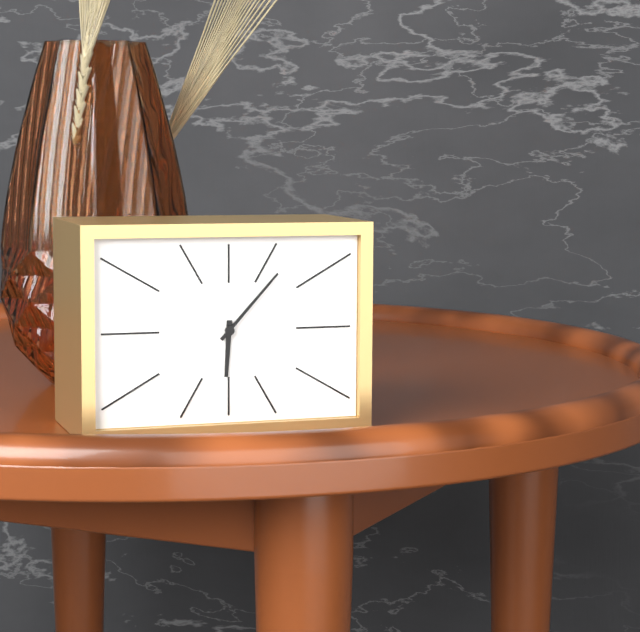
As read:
h=6 m=7
